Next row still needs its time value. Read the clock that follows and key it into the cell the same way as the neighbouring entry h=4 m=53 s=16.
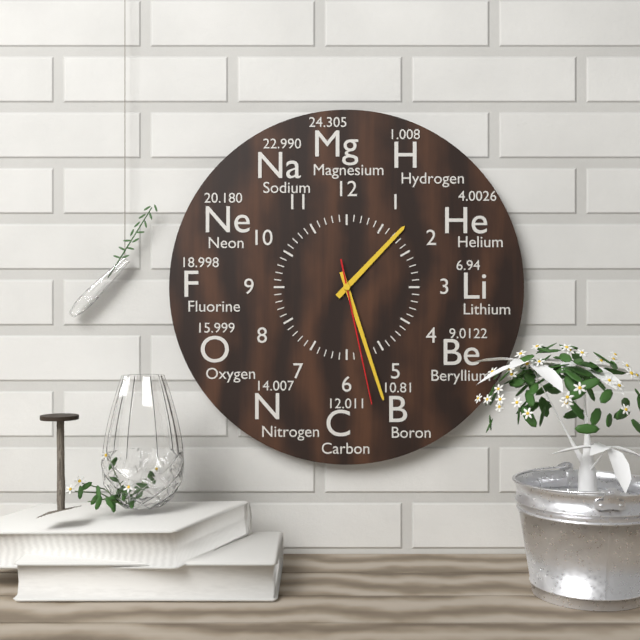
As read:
h=1 m=27 s=28
